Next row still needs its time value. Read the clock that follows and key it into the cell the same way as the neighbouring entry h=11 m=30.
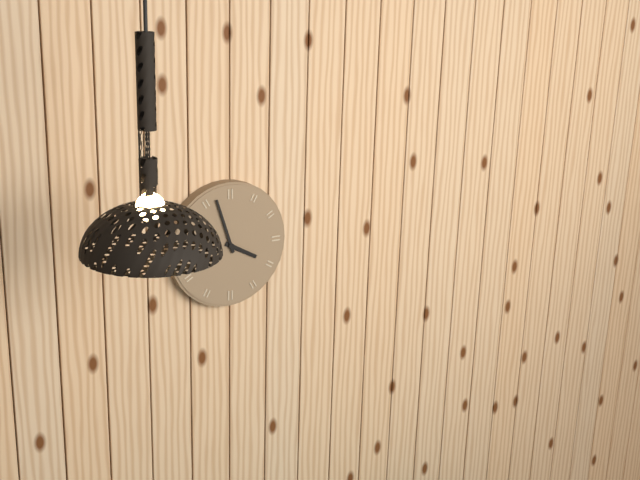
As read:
h=3 m=57
